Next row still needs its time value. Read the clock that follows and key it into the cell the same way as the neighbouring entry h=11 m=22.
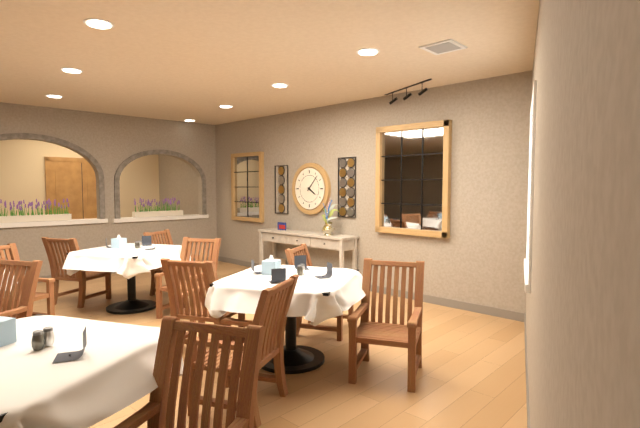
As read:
h=4 m=7
